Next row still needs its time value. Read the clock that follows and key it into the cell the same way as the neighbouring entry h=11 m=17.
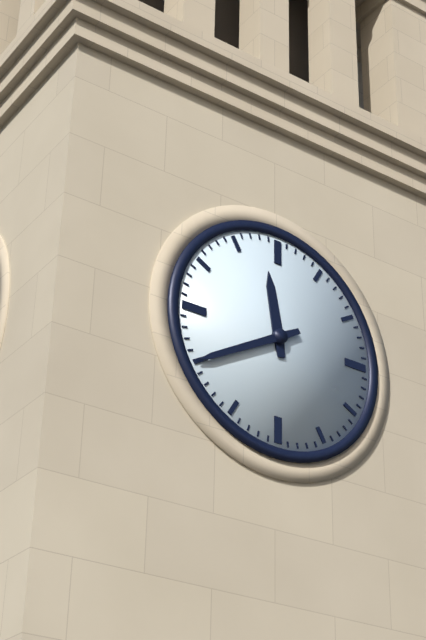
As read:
h=11 m=40
